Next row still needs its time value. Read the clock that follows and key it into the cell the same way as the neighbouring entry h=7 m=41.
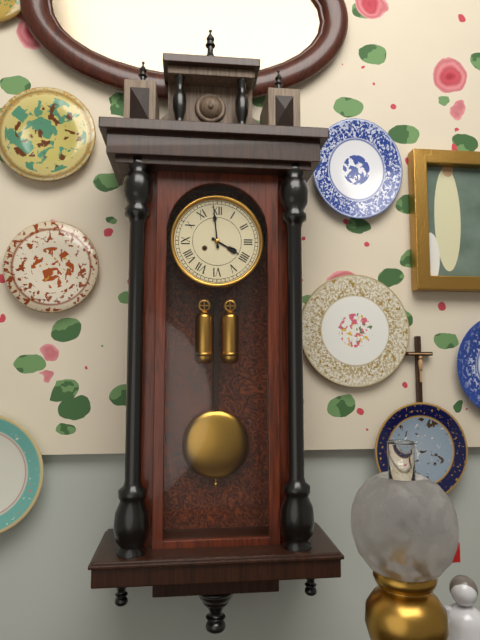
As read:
h=3 m=59
